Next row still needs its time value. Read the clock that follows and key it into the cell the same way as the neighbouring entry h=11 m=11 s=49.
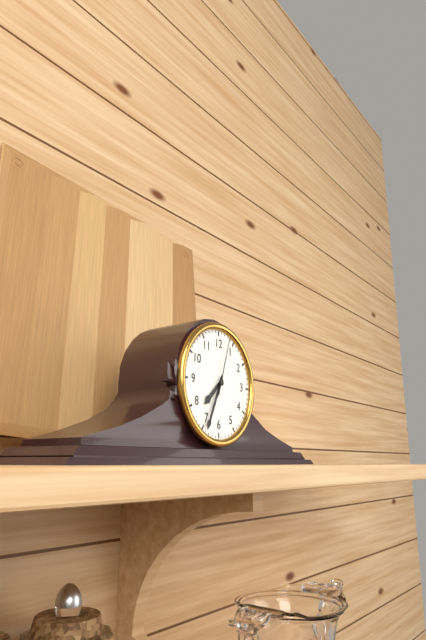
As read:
h=7 m=34 s=3
